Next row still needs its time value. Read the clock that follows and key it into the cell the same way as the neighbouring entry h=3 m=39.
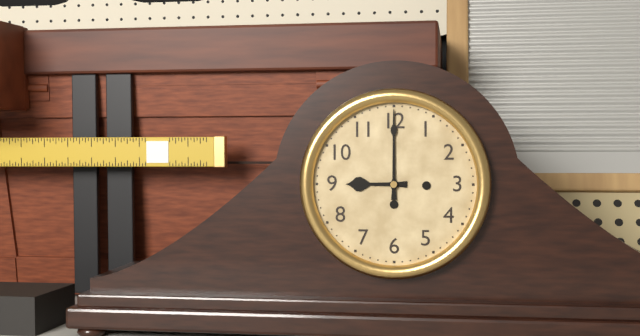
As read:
h=9 m=0
